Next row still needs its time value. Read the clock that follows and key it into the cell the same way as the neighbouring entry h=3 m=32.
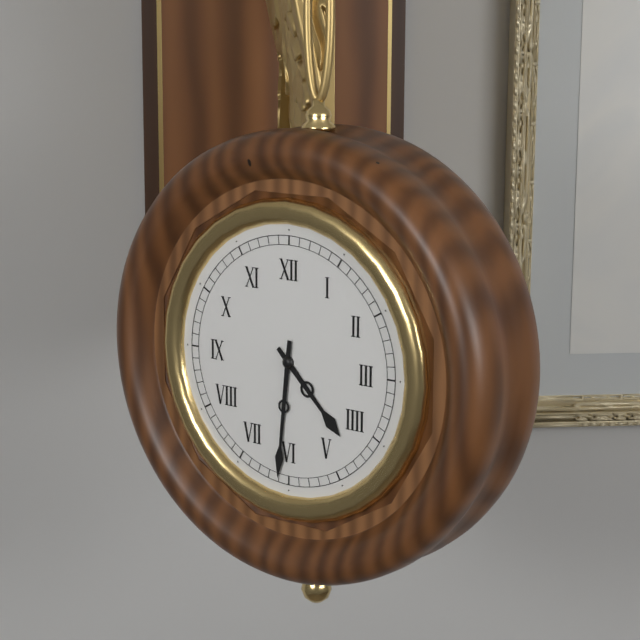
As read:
h=4 m=31
